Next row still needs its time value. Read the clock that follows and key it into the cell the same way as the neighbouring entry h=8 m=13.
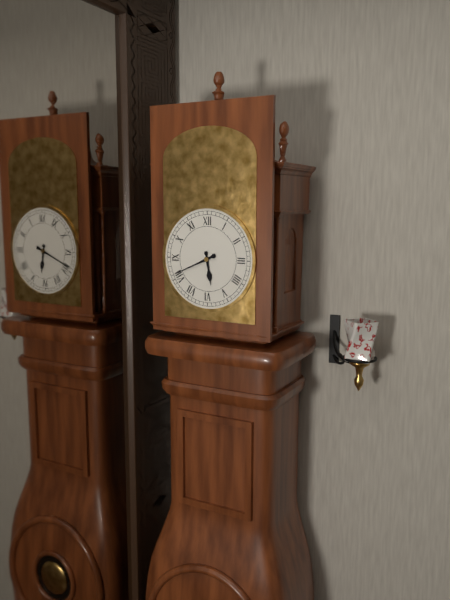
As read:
h=5 m=41
